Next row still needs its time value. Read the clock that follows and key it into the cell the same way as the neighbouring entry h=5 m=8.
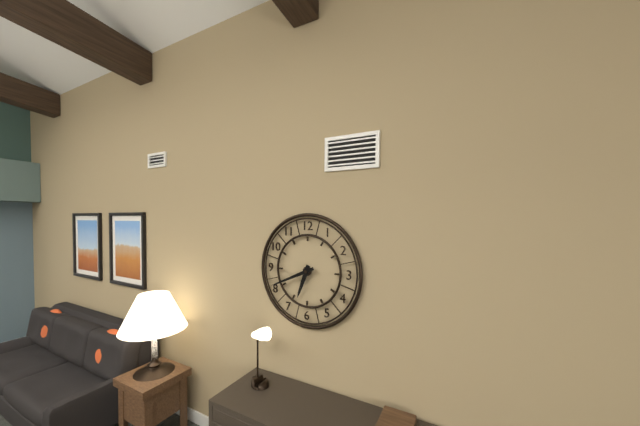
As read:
h=6 m=41
